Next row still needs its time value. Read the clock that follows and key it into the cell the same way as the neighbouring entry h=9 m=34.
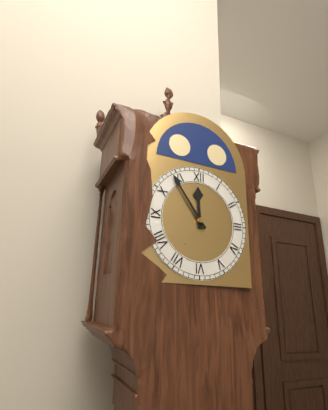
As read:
h=11 m=54
